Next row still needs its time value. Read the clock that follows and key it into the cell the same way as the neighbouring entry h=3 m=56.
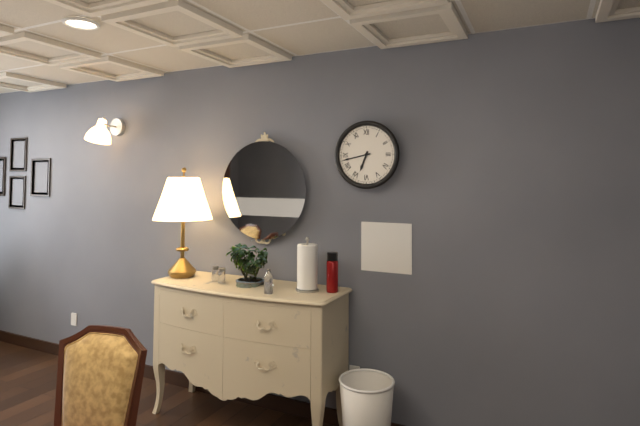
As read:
h=6 m=43
